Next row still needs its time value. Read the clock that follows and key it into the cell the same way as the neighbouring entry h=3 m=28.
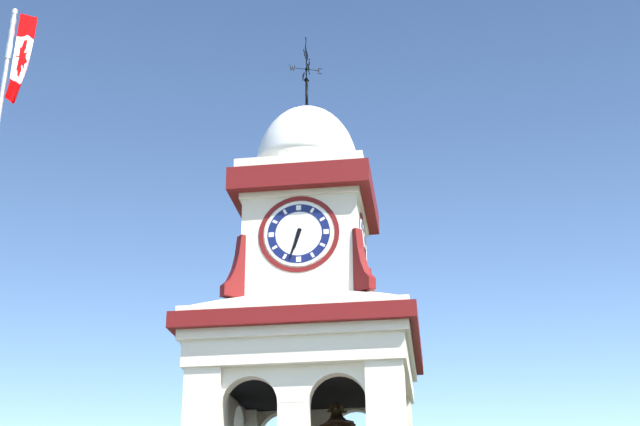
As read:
h=6 m=33
